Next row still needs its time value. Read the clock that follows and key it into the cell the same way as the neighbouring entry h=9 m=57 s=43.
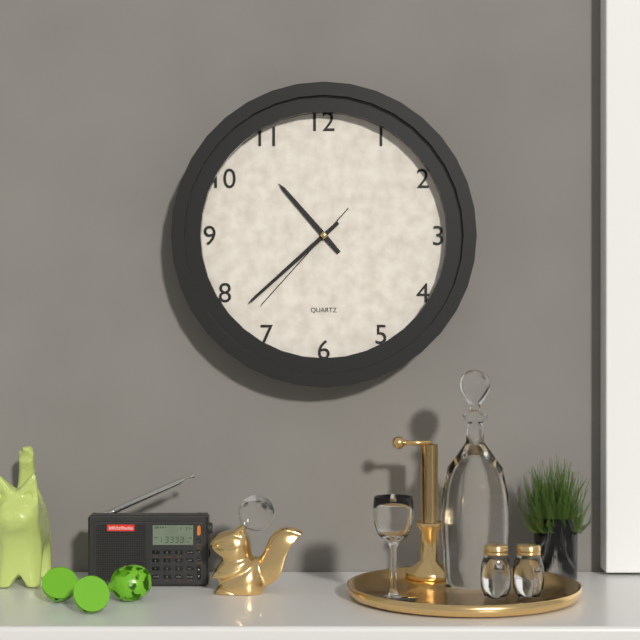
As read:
h=10 m=38 s=37
